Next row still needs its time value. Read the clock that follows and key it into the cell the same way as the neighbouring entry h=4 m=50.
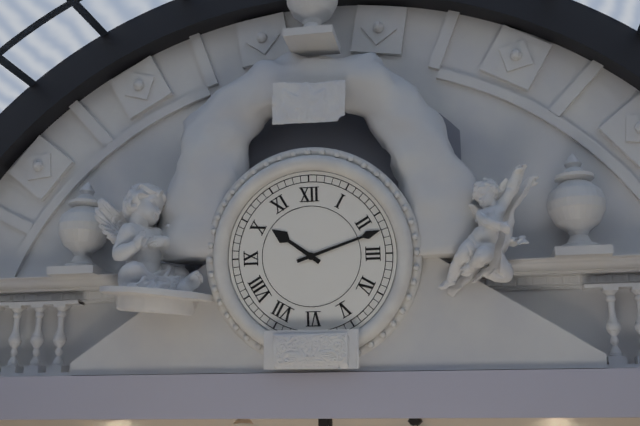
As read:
h=10 m=12
